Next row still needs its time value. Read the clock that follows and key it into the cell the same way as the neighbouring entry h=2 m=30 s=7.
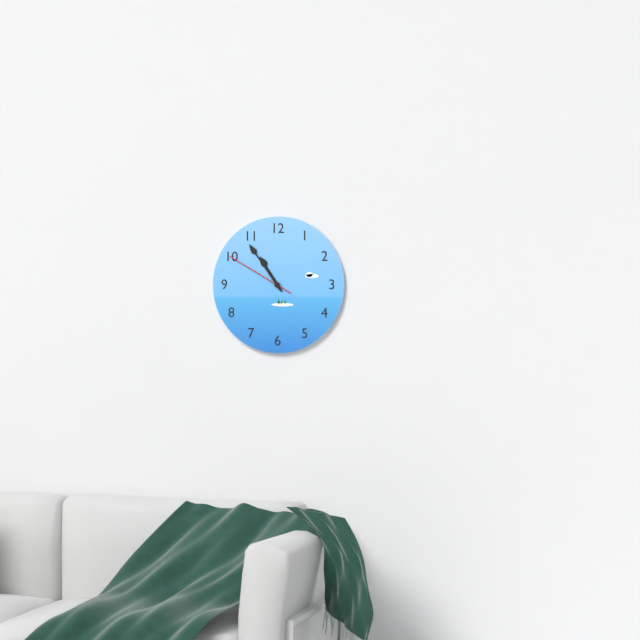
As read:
h=10 m=54 s=50
